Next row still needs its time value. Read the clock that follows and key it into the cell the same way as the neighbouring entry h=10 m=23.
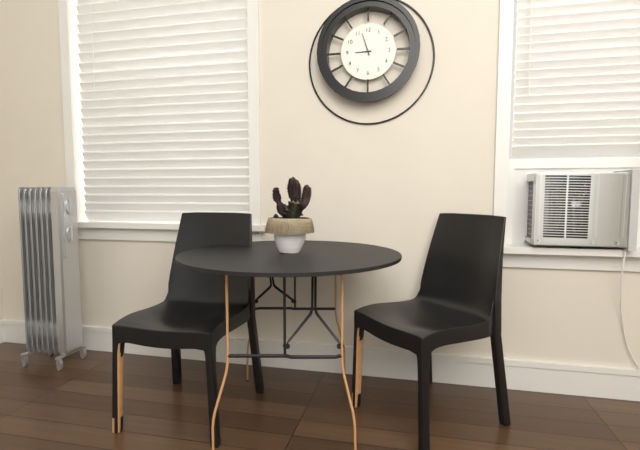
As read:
h=8 m=57
